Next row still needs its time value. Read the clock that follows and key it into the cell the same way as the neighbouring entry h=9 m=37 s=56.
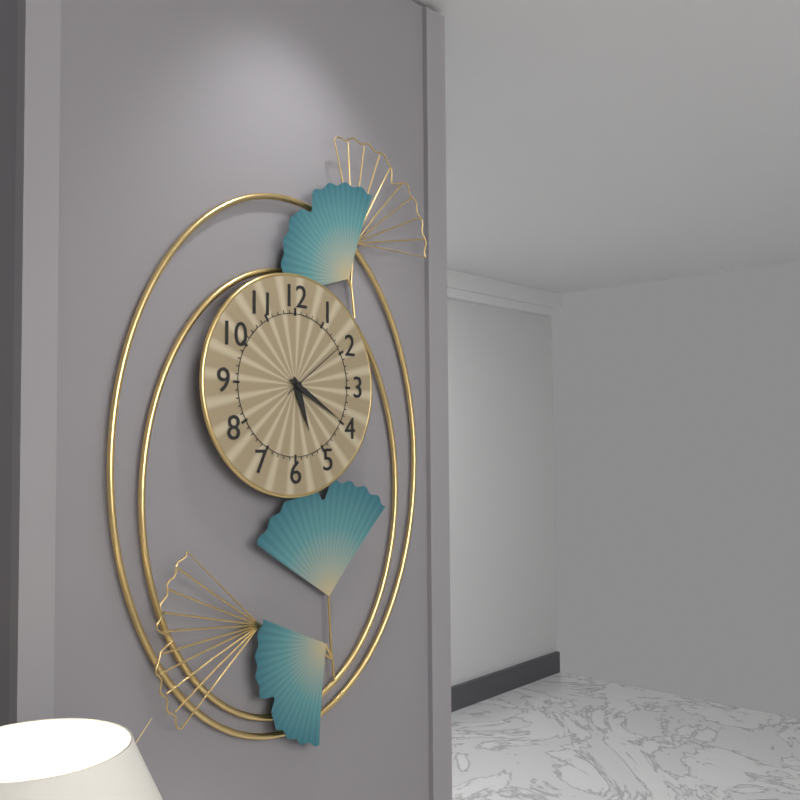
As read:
h=5 m=20 s=9
